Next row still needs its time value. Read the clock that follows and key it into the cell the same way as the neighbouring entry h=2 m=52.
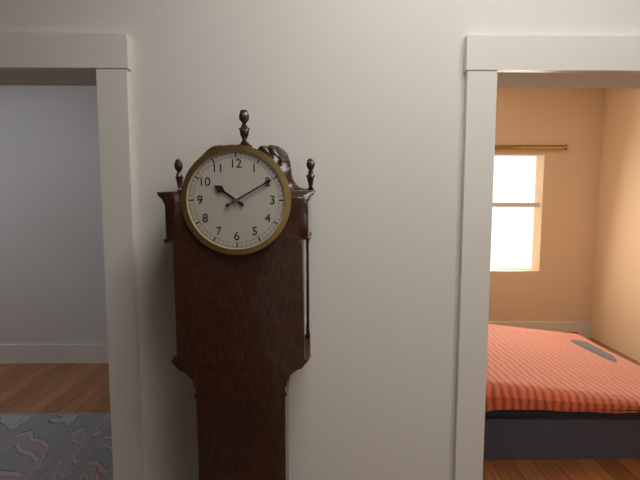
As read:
h=10 m=10
